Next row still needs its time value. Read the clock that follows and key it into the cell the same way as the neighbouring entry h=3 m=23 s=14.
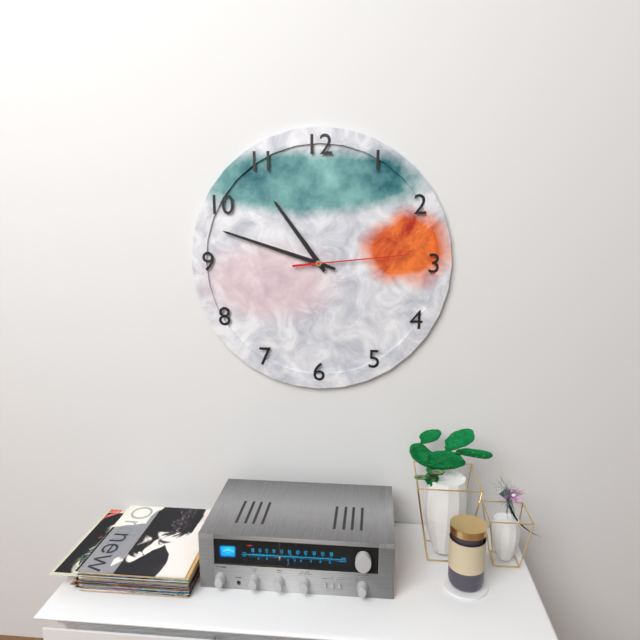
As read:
h=10 m=48 s=14
